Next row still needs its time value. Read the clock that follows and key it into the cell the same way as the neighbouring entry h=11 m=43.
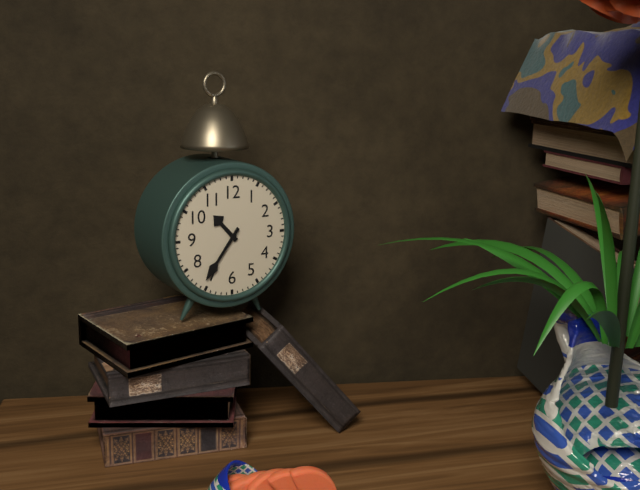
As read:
h=10 m=36
